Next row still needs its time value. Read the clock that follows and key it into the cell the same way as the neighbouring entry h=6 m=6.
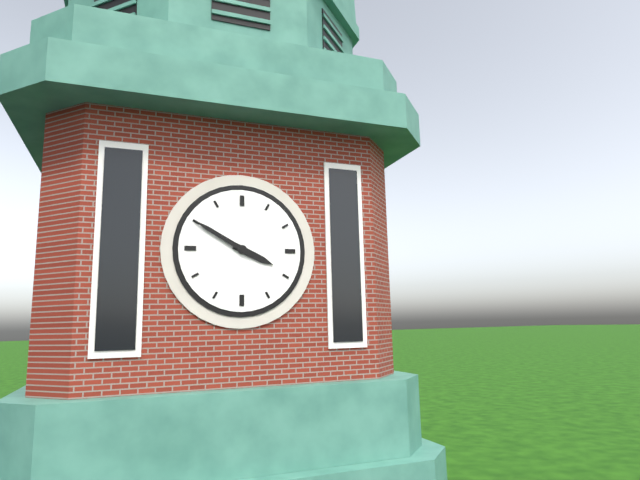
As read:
h=3 m=50
